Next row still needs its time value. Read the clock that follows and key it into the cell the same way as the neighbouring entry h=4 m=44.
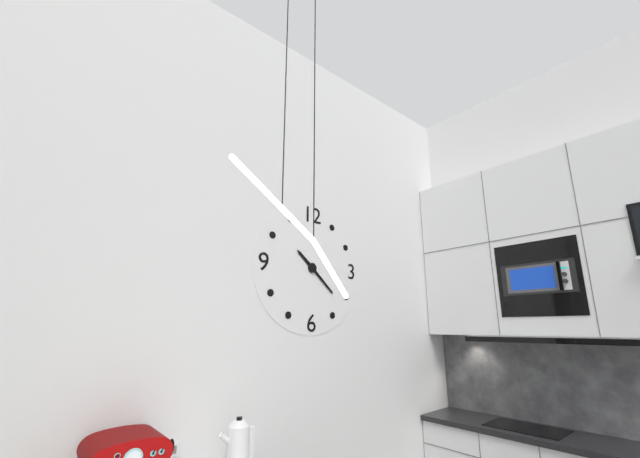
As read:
h=10 m=22
